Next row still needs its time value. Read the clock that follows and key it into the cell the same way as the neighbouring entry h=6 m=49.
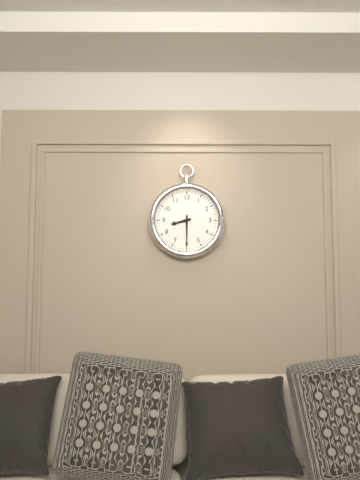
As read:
h=8 m=30
